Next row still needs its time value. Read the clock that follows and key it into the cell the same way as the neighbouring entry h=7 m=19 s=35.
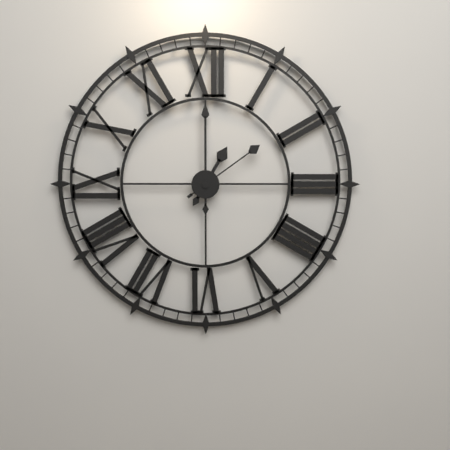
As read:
h=1 m=0 s=9
